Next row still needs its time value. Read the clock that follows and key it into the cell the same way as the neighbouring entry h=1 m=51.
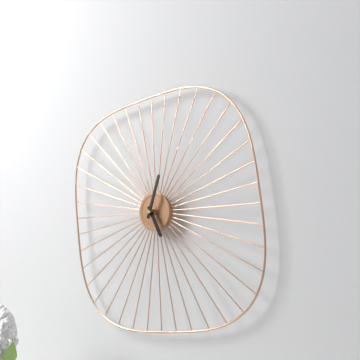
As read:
h=5 m=3
